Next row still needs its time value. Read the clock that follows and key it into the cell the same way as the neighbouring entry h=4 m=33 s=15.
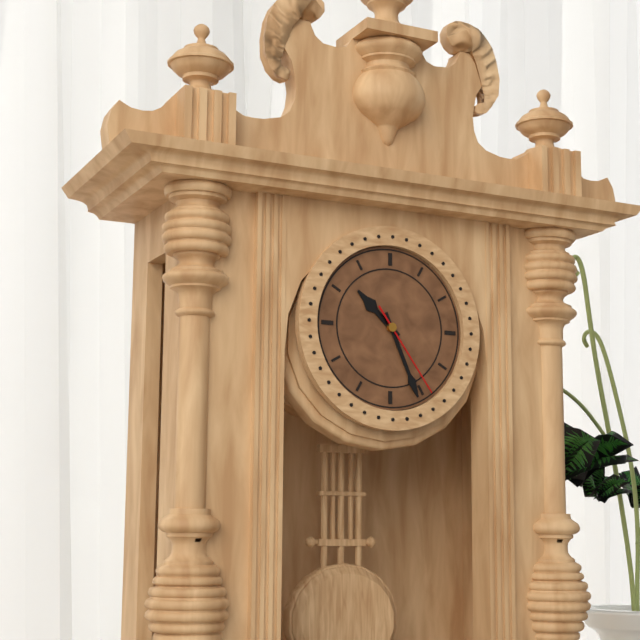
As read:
h=10 m=26 s=24
